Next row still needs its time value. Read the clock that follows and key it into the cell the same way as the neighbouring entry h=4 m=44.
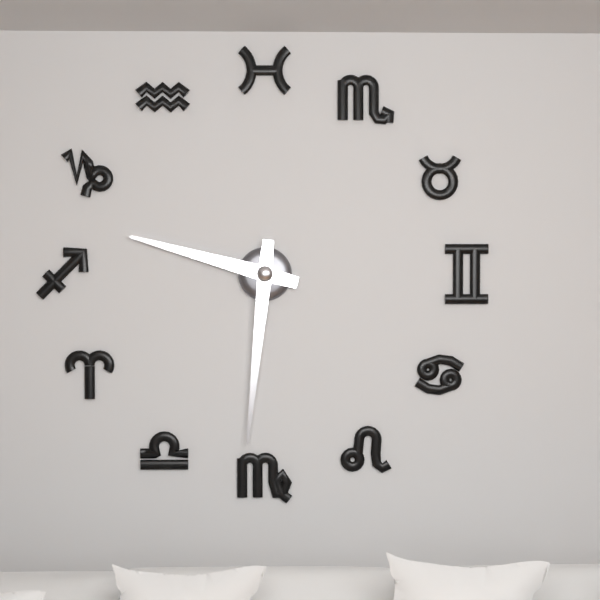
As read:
h=9 m=31
